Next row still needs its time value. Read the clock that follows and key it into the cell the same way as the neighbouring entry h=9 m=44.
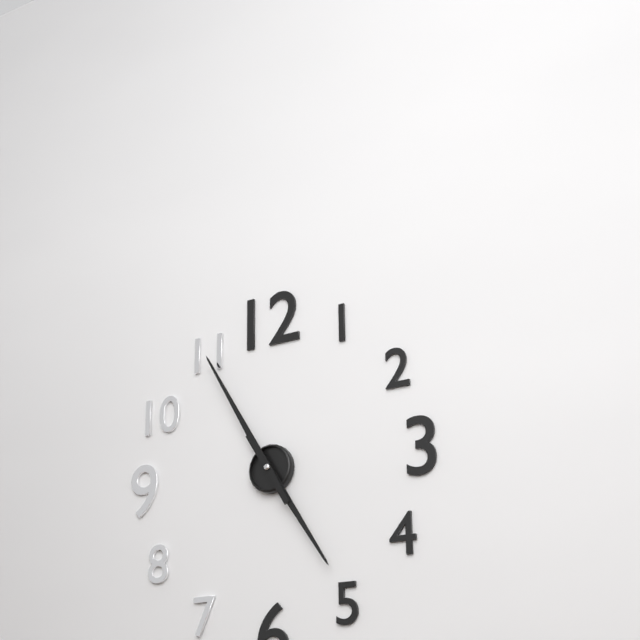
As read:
h=4 m=55
